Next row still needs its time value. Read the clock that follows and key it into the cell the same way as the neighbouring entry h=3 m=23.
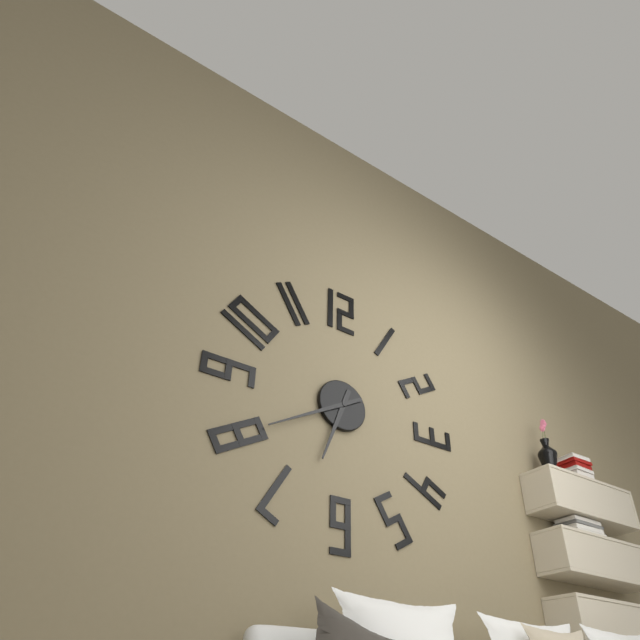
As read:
h=6 m=40
